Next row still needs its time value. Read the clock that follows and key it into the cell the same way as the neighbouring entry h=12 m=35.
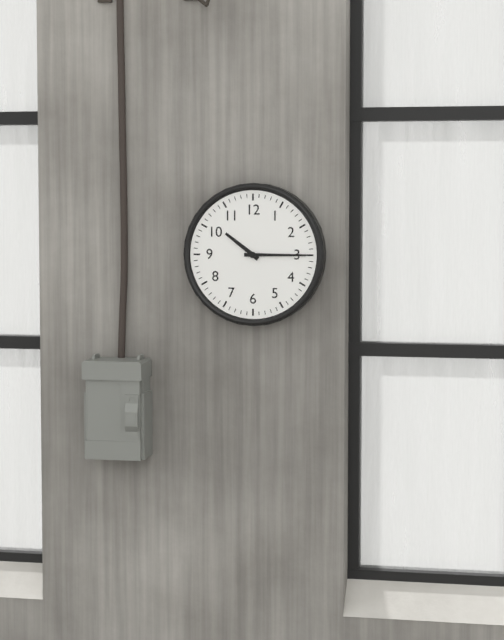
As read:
h=10 m=15
